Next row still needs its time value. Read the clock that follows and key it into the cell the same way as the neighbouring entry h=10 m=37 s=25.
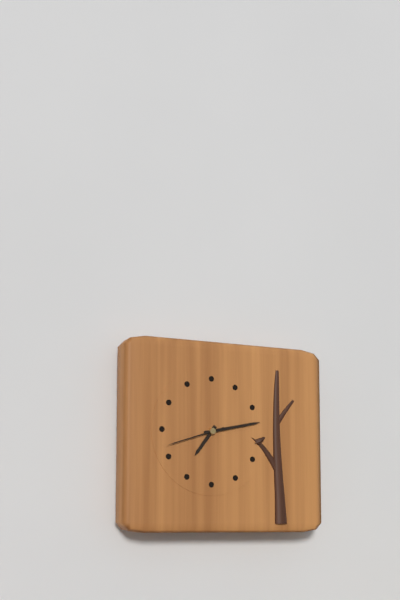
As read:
h=7 m=13 s=42
